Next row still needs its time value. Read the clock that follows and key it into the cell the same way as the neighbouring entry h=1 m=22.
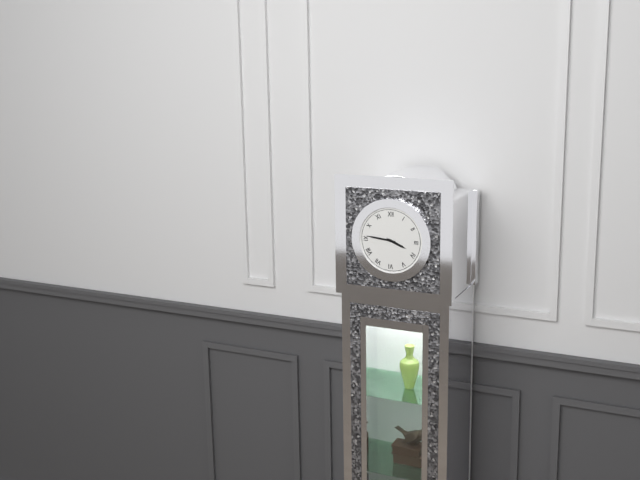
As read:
h=3 m=46
